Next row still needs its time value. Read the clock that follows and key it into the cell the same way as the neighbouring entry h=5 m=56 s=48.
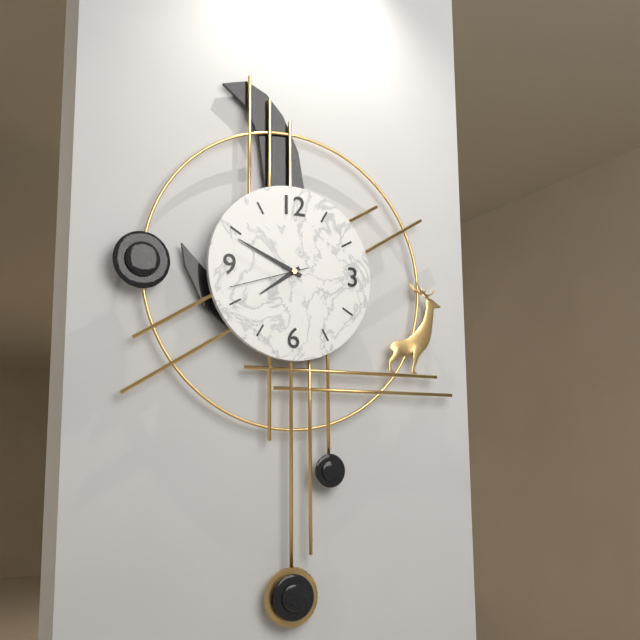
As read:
h=7 m=49 s=42
